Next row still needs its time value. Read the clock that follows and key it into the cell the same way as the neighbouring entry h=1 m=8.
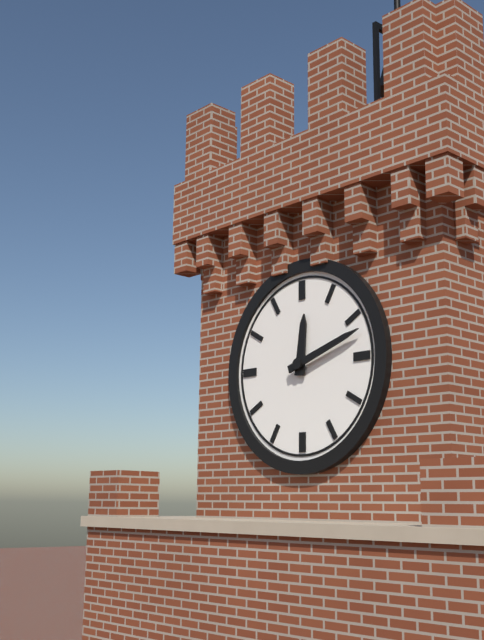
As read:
h=12 m=12
